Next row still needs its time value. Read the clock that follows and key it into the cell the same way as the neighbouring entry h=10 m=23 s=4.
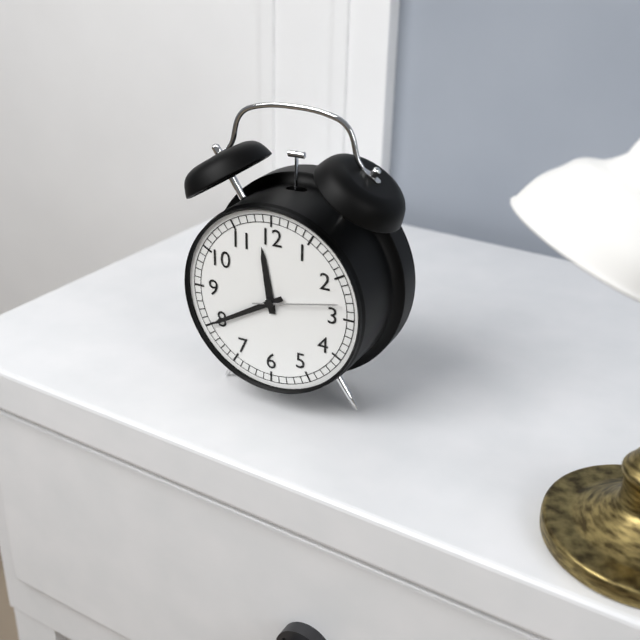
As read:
h=11 m=40 s=13
